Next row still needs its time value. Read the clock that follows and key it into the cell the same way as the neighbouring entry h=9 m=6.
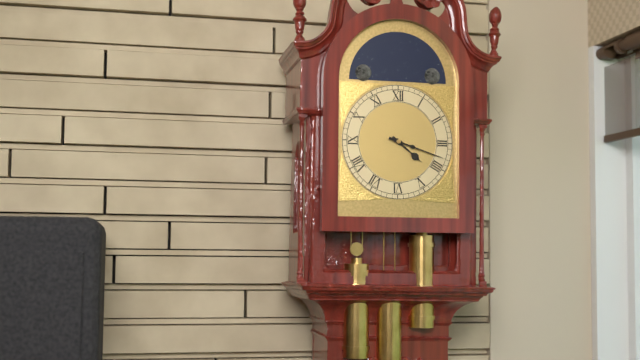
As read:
h=4 m=18
